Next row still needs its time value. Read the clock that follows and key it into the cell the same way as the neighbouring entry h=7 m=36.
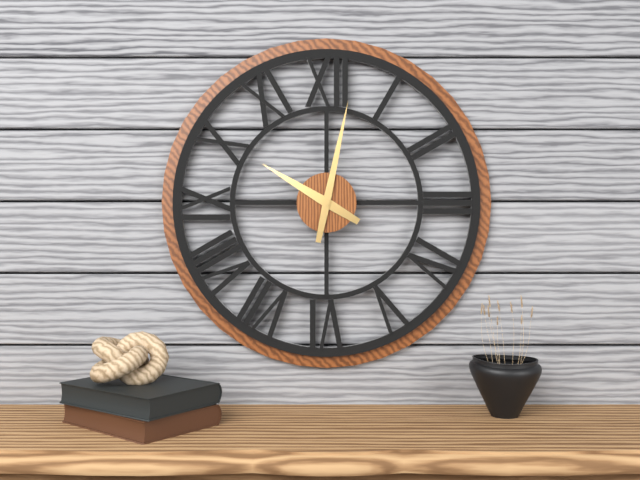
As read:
h=10 m=2
